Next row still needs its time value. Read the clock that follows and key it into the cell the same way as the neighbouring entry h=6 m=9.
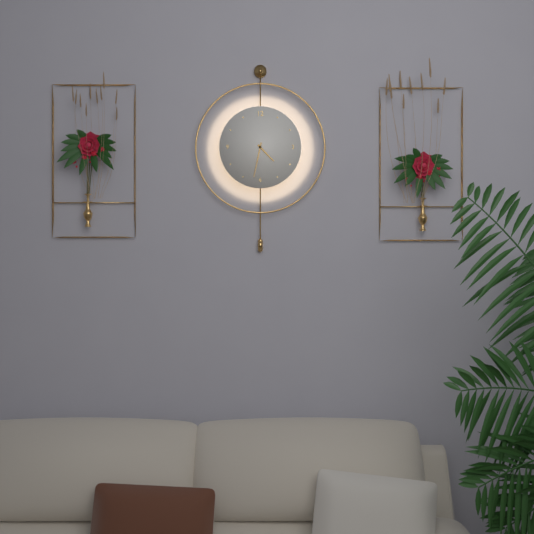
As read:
h=4 m=32
